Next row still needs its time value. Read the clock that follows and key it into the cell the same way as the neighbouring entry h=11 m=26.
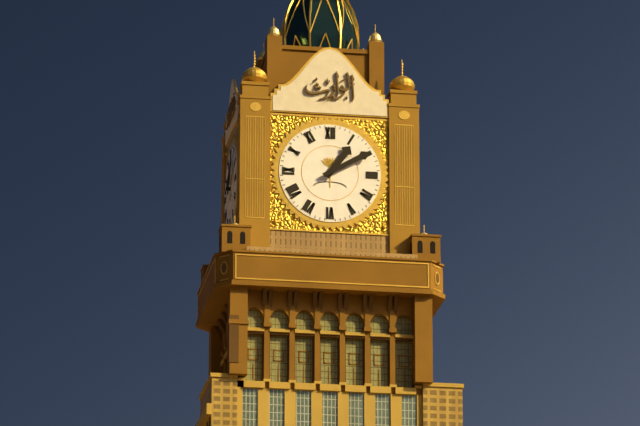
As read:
h=1 m=10
